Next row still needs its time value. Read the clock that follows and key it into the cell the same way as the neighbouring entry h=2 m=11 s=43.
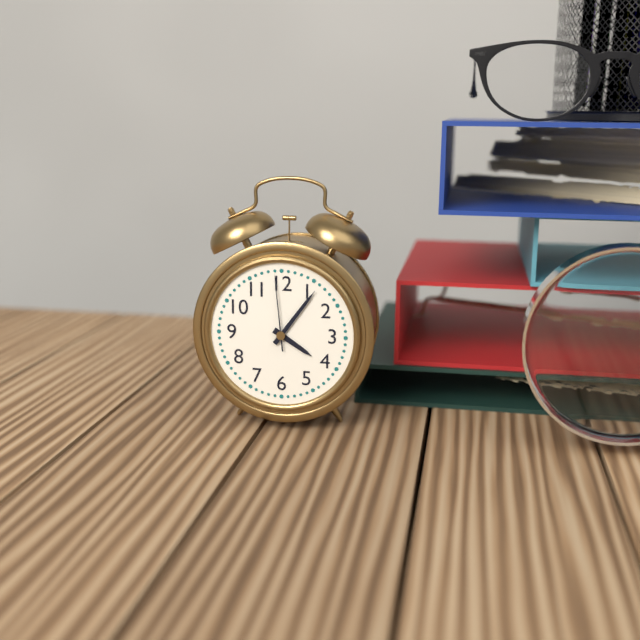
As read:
h=4 m=6 s=59
